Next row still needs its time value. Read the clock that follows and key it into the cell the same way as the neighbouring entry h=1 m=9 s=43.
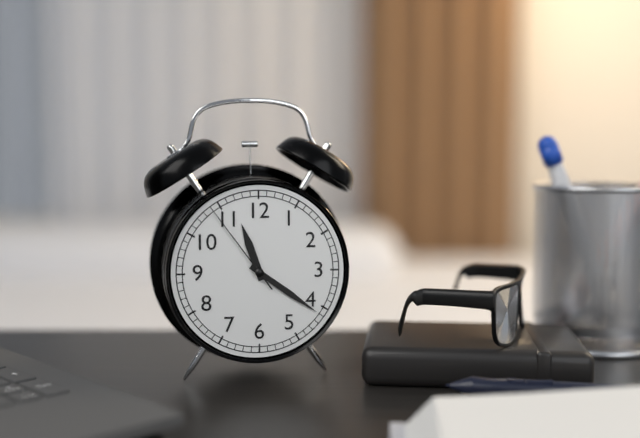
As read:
h=11 m=21 s=54
